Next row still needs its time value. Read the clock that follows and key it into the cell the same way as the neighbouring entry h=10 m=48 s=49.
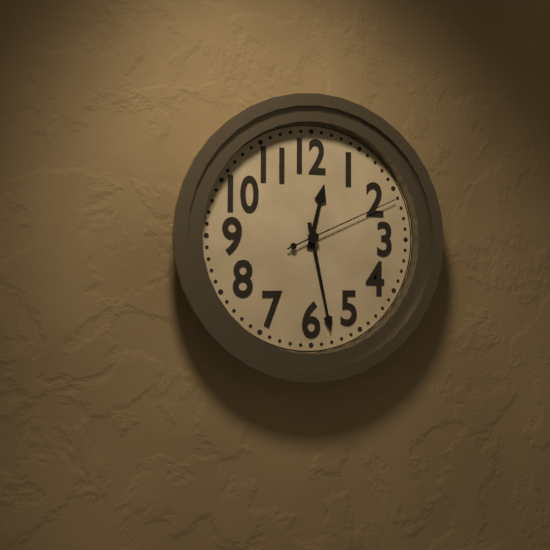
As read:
h=12 m=28 s=11
